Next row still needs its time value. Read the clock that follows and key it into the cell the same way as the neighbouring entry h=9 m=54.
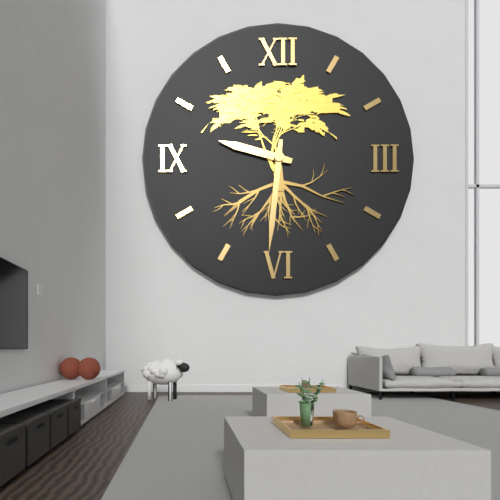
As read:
h=9 m=31
